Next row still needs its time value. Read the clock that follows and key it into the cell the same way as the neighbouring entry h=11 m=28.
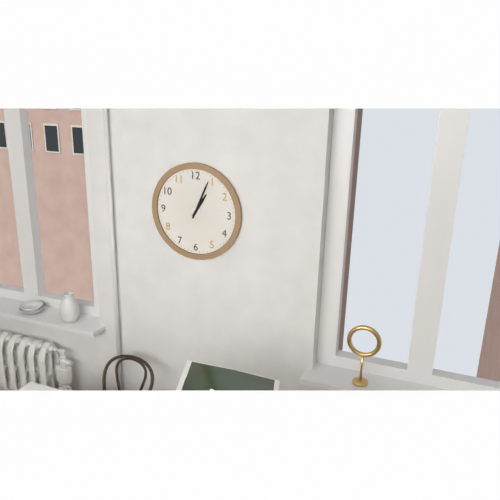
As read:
h=1 m=4
